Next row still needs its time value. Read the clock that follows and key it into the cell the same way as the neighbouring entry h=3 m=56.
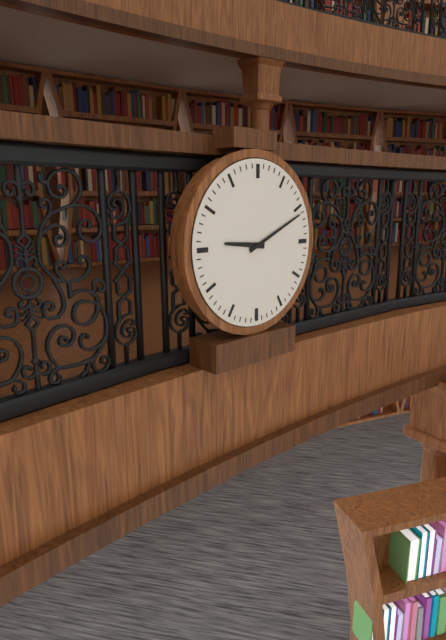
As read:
h=9 m=11
